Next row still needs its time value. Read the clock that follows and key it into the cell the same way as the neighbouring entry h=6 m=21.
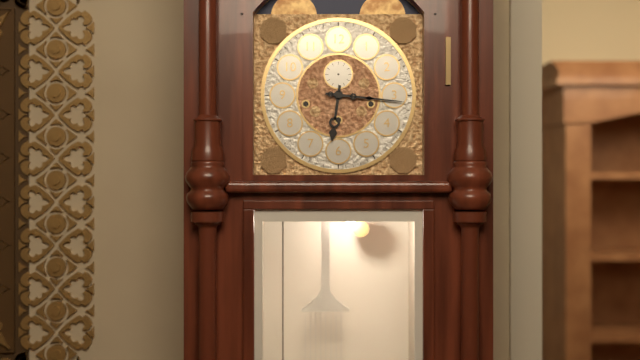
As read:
h=6 m=16
